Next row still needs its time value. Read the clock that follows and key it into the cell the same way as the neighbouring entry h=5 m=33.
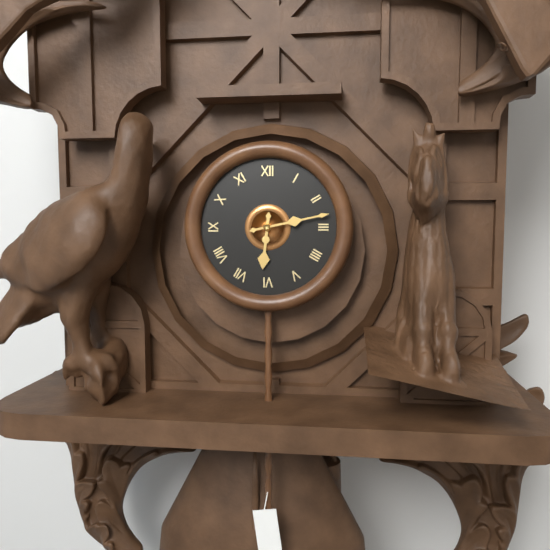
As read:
h=6 m=13
